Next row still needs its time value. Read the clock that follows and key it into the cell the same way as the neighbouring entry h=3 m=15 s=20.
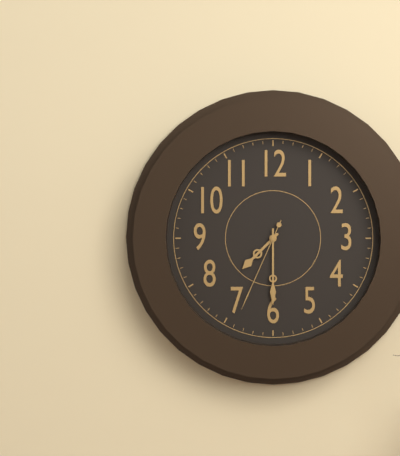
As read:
h=7 m=30 s=34
